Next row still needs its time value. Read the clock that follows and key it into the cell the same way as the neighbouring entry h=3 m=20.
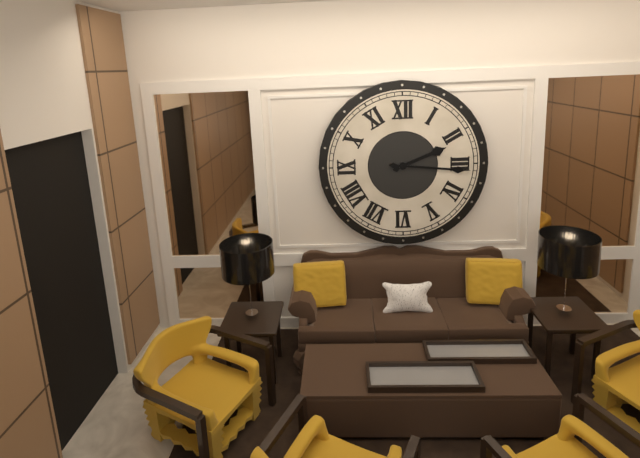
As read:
h=2 m=16
